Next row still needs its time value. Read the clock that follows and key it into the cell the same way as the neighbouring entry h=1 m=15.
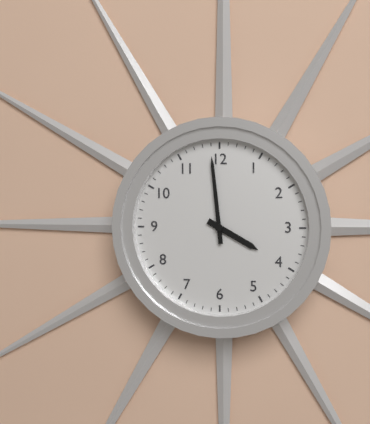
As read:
h=3 m=59
